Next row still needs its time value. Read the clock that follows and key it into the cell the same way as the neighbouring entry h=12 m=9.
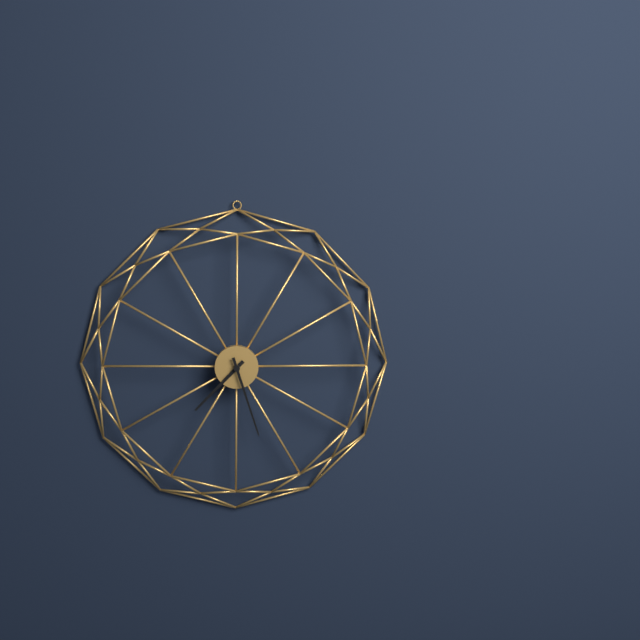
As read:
h=7 m=27
